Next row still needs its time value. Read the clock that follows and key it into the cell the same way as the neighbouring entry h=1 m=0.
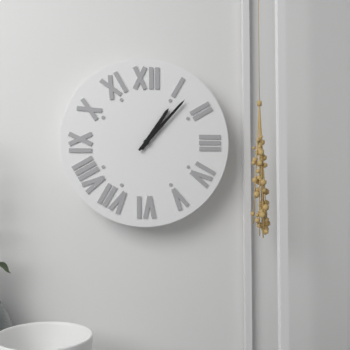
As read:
h=1 m=7
